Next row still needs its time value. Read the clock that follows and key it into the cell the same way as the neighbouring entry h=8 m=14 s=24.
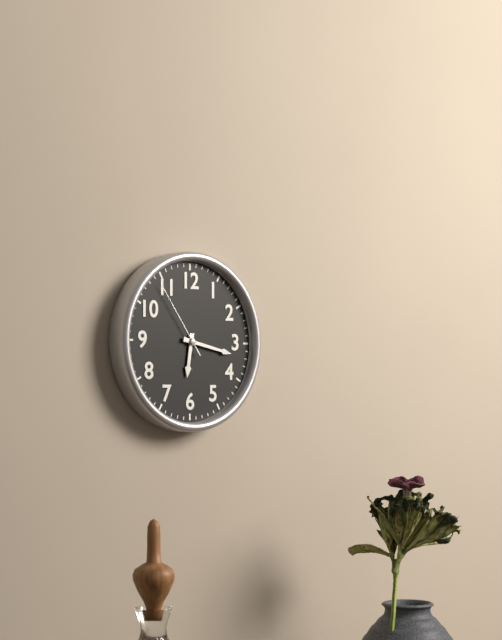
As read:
h=6 m=17 s=54
